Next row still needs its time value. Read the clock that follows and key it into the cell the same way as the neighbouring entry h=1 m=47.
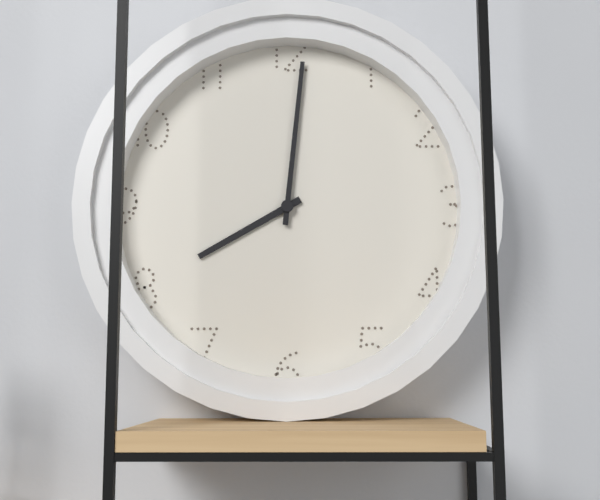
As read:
h=8 m=1
